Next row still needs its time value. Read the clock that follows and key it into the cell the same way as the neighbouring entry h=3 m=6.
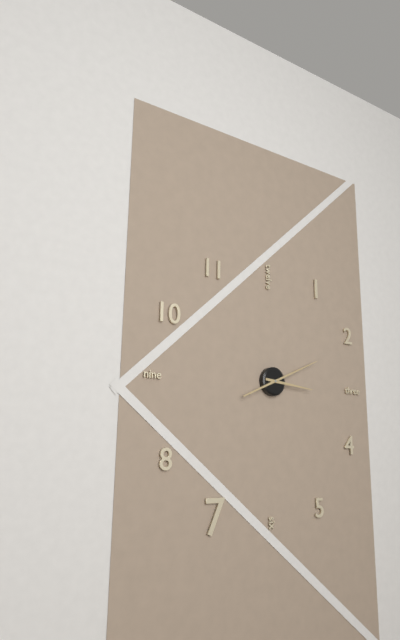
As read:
h=3 m=11
